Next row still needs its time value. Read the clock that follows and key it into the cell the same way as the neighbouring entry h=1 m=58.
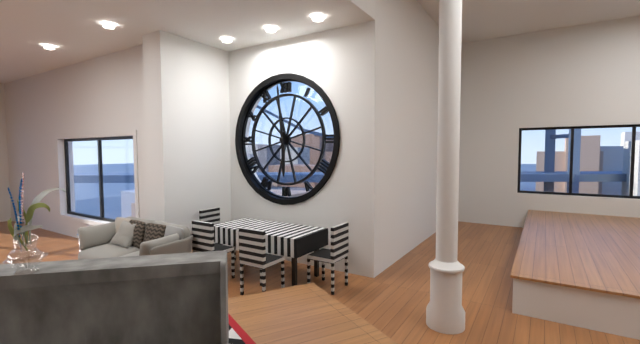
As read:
h=5 m=59
